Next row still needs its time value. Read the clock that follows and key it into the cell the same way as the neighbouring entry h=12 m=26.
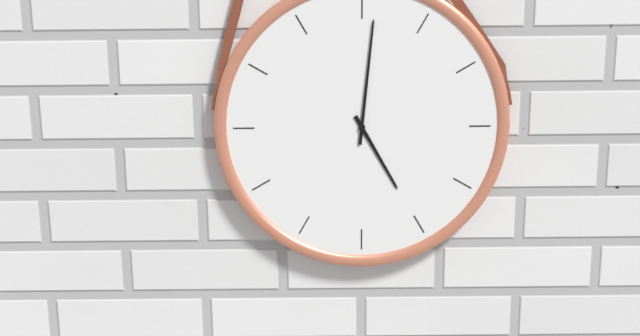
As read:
h=5 m=1
